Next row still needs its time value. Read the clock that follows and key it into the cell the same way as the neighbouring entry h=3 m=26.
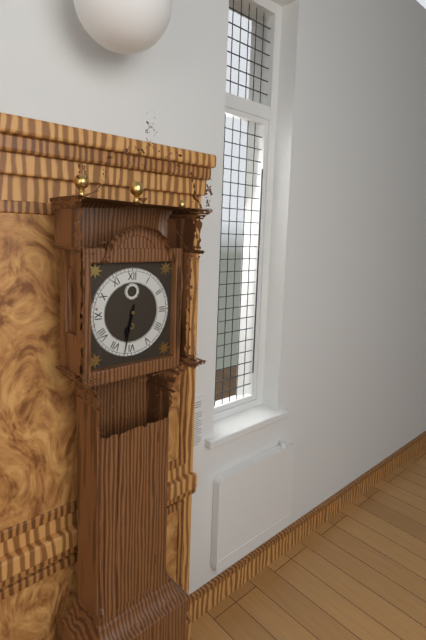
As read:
h=6 m=32
